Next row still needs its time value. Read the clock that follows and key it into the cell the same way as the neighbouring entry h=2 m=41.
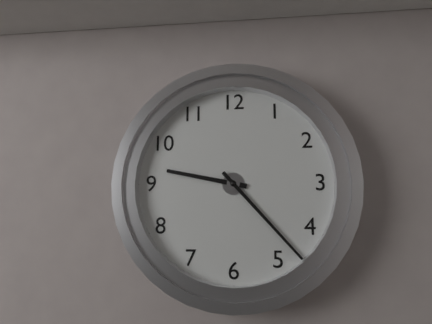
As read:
h=9 m=23
